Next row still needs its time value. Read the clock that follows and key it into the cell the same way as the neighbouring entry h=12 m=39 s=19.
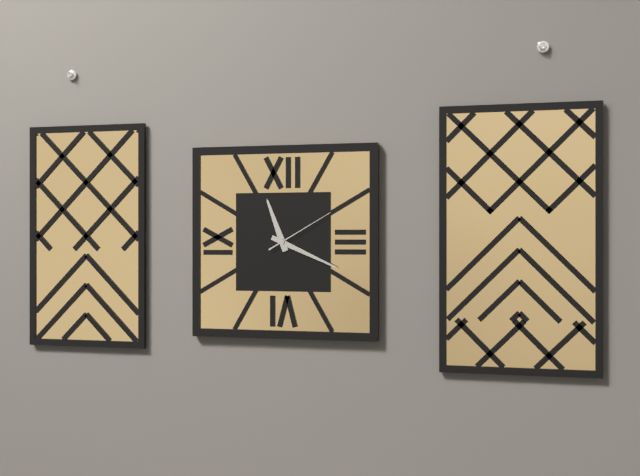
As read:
h=11 m=19 s=10
